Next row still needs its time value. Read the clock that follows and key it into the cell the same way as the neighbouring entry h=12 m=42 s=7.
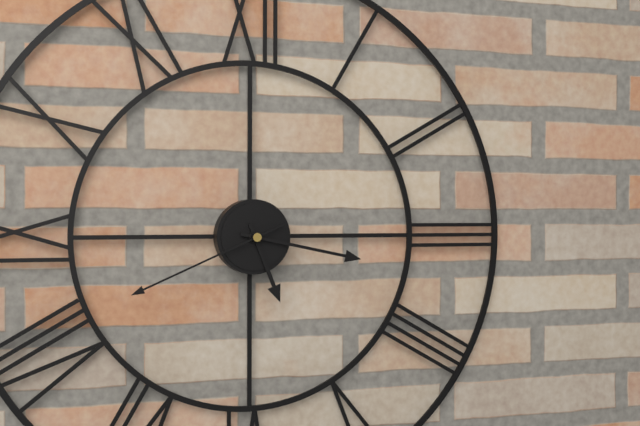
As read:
h=5 m=17 s=41
